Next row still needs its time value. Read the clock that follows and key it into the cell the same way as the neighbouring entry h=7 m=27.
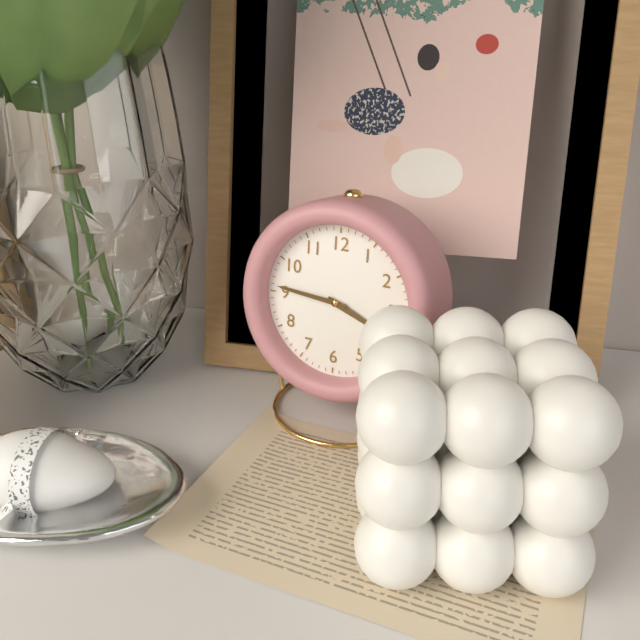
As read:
h=3 m=46
